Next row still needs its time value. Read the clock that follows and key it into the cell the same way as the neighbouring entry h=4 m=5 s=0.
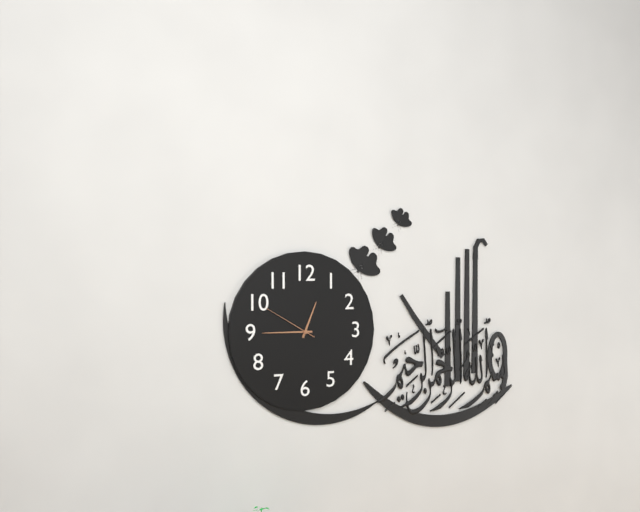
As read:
h=12 m=45 s=50
